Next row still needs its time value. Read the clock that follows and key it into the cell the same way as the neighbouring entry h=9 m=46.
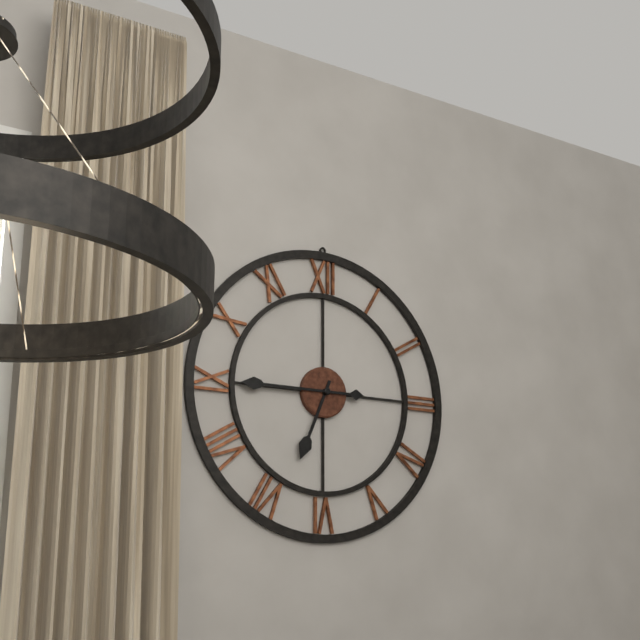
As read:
h=6 m=45
